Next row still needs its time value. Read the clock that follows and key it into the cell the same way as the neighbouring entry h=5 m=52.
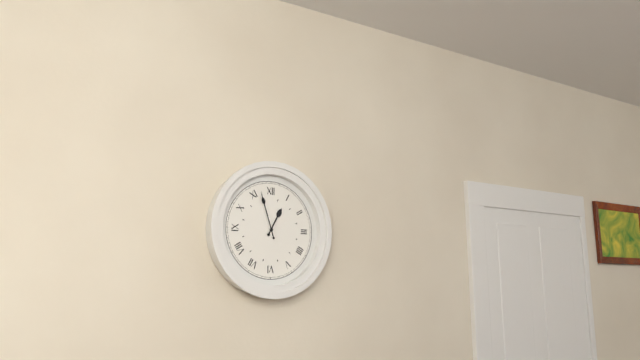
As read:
h=12 m=57
